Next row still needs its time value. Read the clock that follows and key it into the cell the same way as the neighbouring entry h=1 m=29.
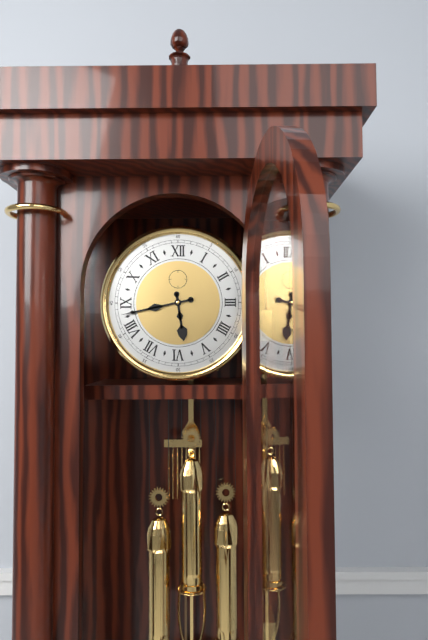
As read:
h=5 m=43
